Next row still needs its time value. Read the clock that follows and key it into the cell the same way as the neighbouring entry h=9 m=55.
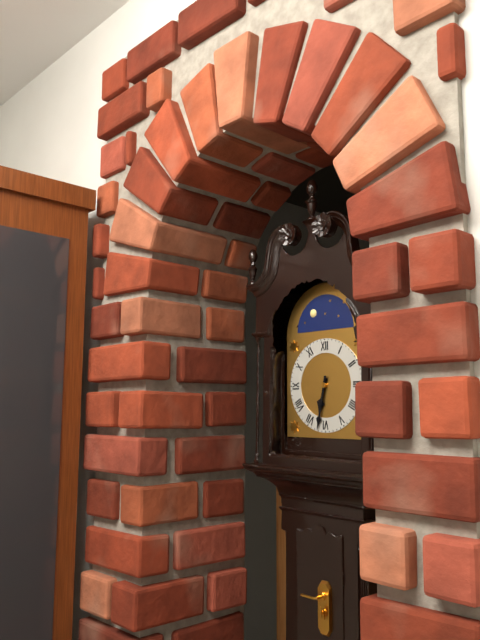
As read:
h=6 m=32
